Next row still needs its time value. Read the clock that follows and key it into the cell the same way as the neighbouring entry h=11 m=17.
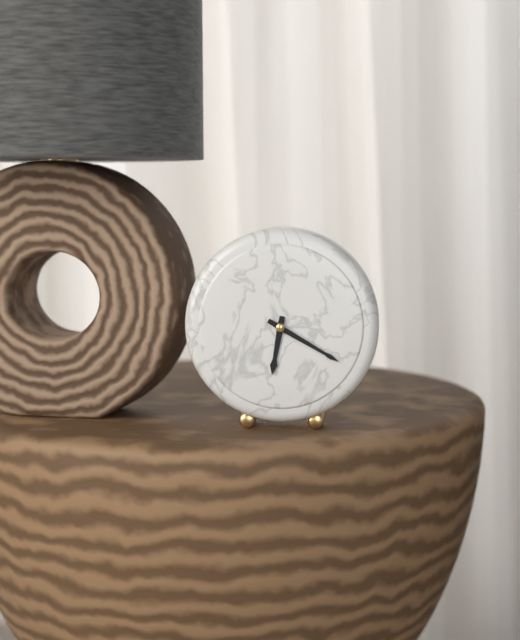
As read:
h=6 m=20
